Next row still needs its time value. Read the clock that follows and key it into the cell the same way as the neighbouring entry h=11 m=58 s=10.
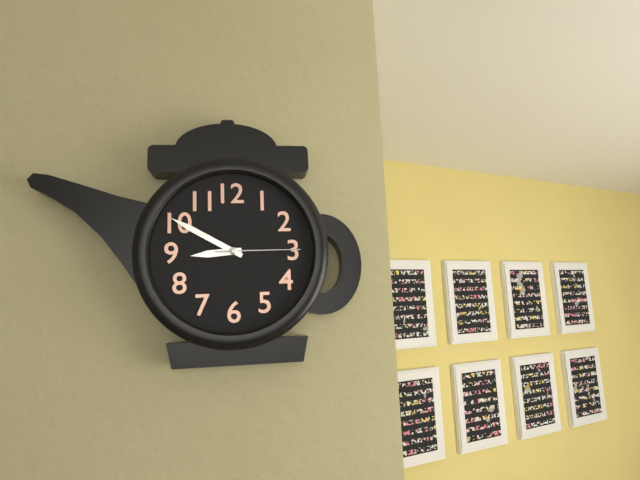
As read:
h=8 m=50 s=15
